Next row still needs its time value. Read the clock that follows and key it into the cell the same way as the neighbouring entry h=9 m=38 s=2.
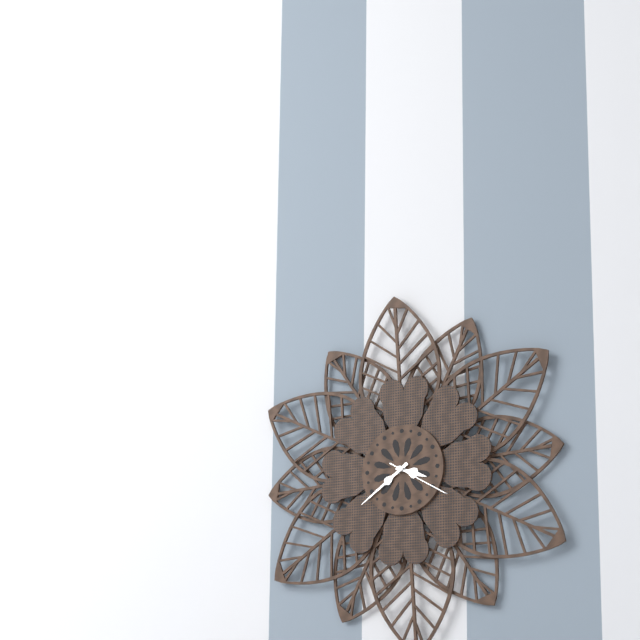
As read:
h=3 m=39 s=20
